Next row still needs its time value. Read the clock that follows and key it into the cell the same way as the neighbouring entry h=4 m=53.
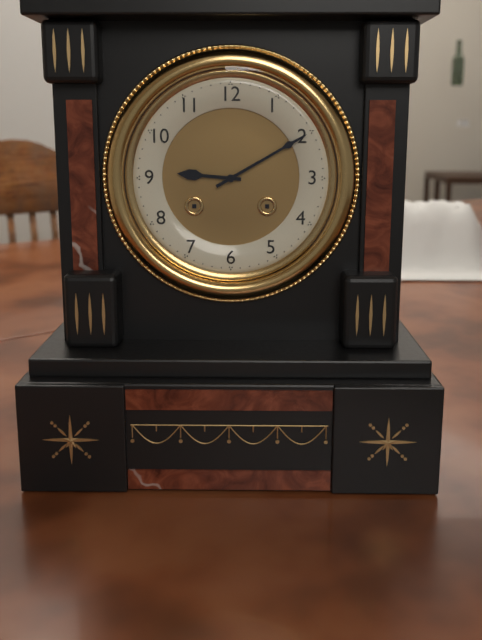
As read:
h=9 m=10
